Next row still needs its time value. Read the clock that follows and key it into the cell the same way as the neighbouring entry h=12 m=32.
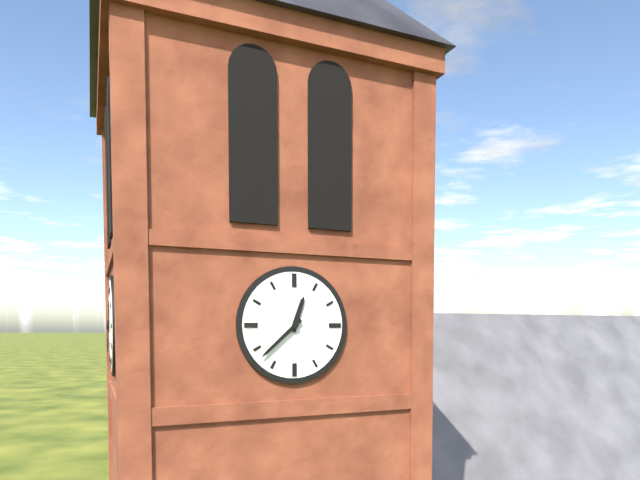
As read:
h=12 m=38
